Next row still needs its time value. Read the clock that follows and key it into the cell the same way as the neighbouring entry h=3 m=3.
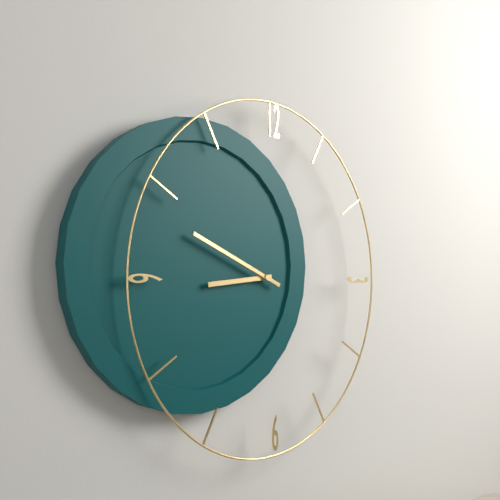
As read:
h=8 m=49
